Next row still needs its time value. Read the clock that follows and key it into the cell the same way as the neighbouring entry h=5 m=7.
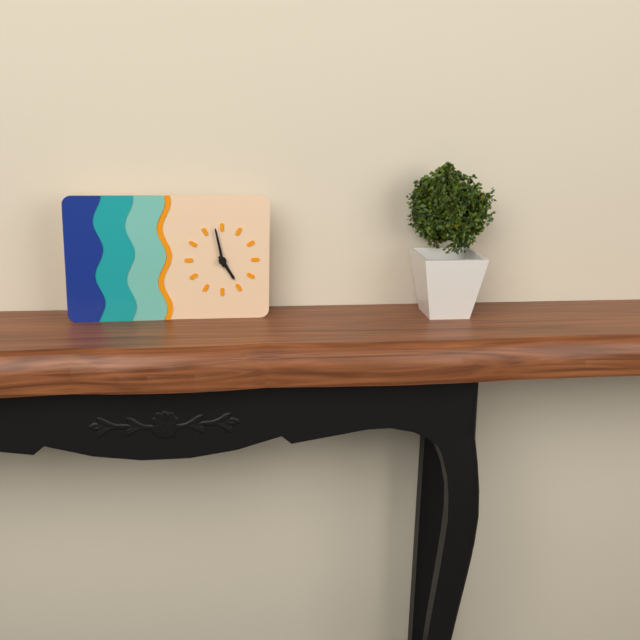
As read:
h=4 m=58
